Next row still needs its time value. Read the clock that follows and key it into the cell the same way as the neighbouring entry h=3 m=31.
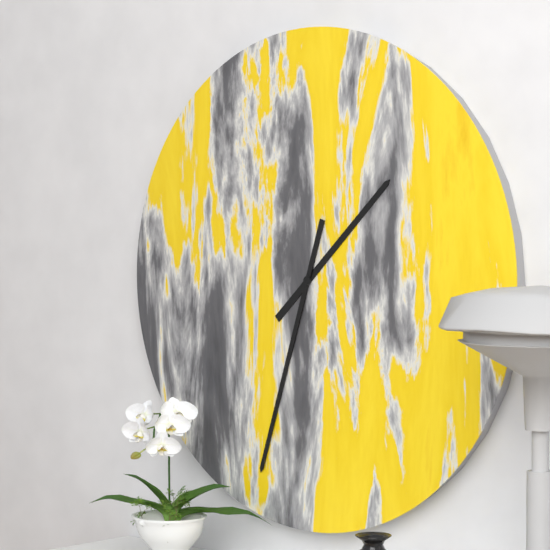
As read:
h=1 m=33
